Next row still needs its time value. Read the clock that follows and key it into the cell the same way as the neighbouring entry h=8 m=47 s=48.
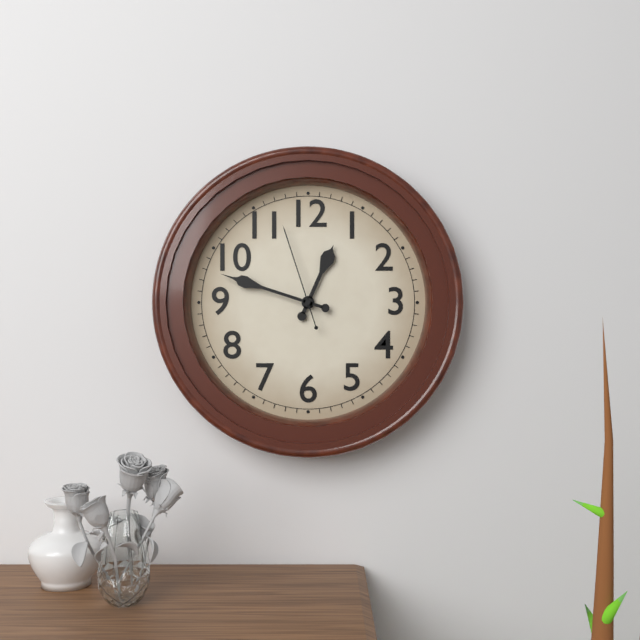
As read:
h=12 m=48 s=57
